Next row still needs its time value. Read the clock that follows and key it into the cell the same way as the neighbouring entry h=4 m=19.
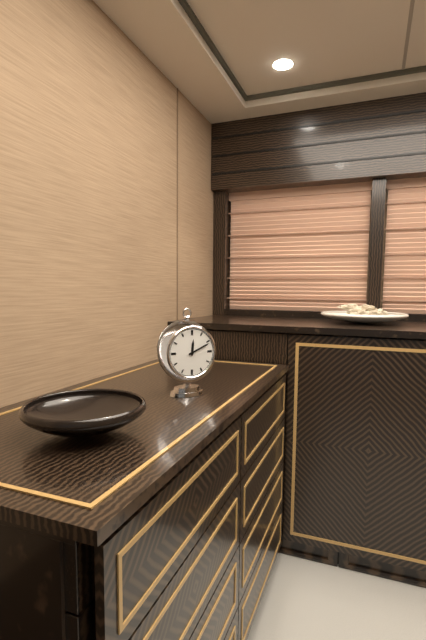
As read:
h=12 m=11
